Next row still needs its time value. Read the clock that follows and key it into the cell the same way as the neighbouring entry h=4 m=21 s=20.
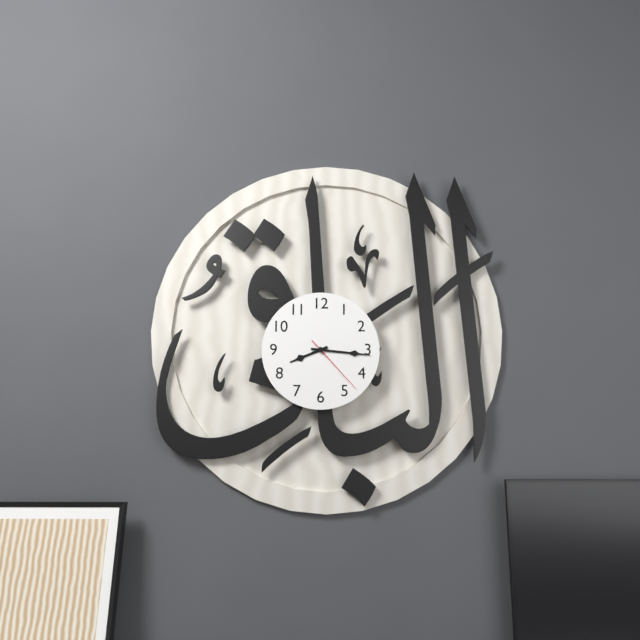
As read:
h=8 m=16 s=23
